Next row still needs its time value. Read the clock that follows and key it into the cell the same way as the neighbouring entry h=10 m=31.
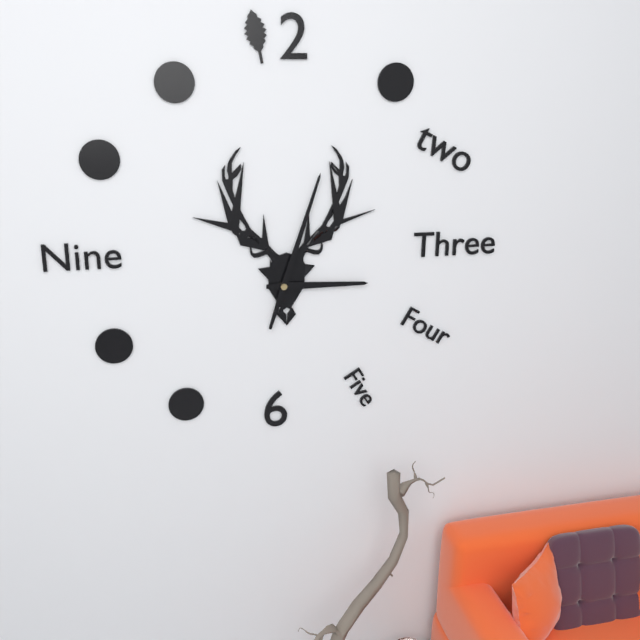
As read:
h=3 m=3
